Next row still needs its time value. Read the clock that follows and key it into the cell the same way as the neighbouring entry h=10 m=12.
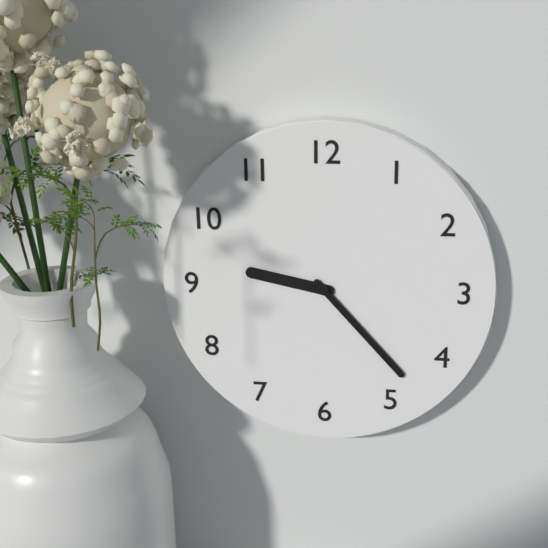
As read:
h=9 m=23
